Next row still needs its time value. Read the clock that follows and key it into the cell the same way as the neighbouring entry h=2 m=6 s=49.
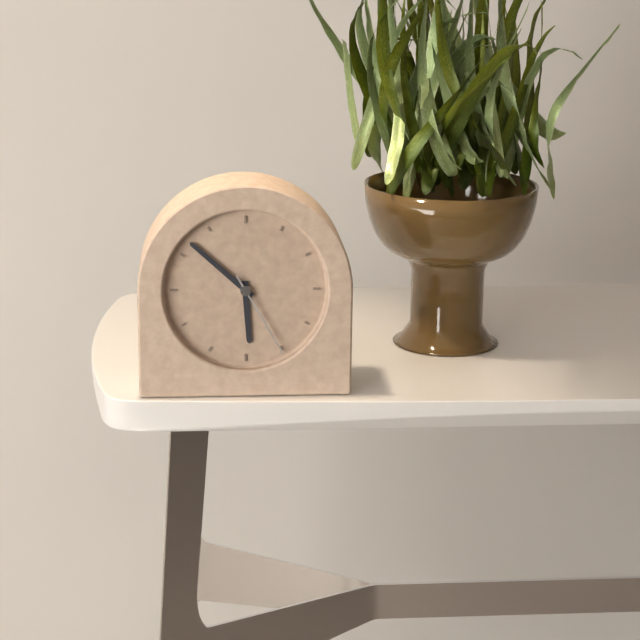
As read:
h=5 m=52 s=25
